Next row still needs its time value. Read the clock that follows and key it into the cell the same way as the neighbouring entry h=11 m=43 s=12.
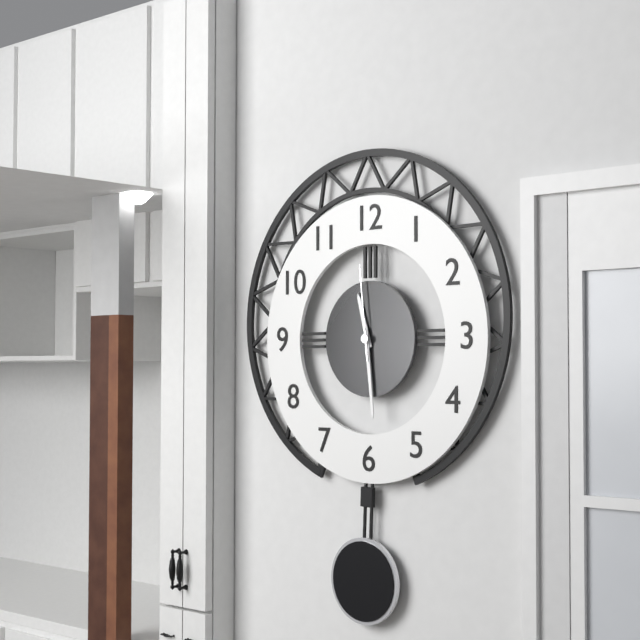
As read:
h=11 m=29 s=59
